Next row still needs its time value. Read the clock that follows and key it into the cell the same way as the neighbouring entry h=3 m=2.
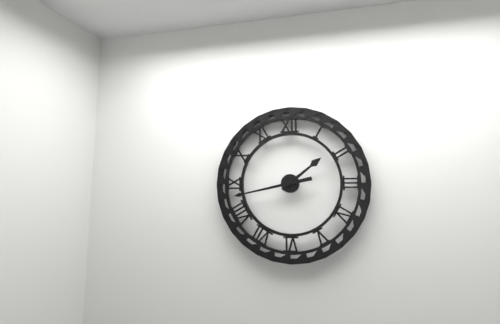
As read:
h=1 m=43
